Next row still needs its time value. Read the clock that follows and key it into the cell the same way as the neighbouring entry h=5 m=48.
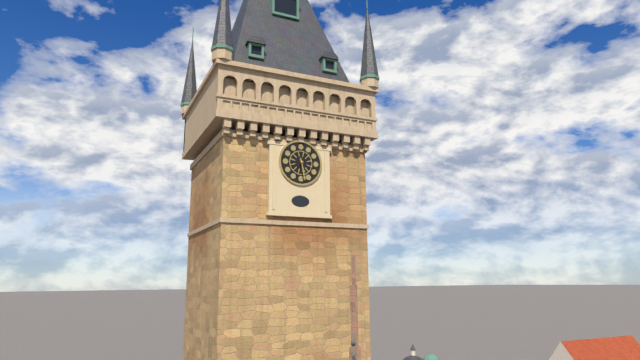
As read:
h=5 m=28
